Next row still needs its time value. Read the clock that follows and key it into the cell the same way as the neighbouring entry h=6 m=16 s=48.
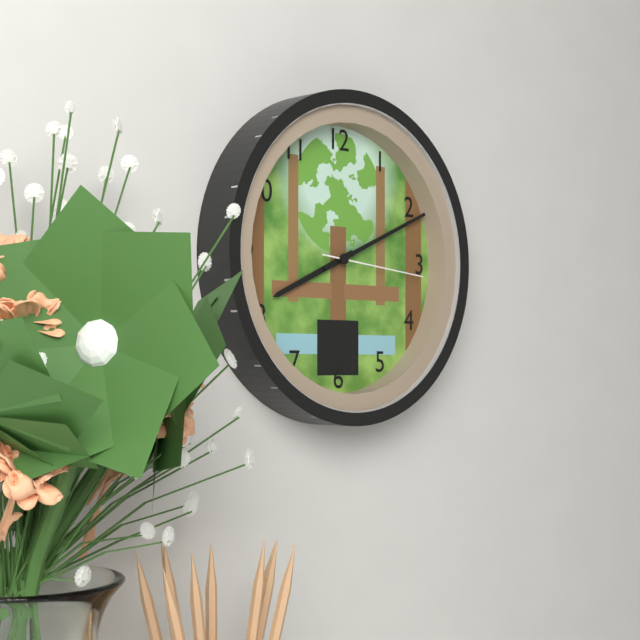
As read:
h=8 m=11 s=16
